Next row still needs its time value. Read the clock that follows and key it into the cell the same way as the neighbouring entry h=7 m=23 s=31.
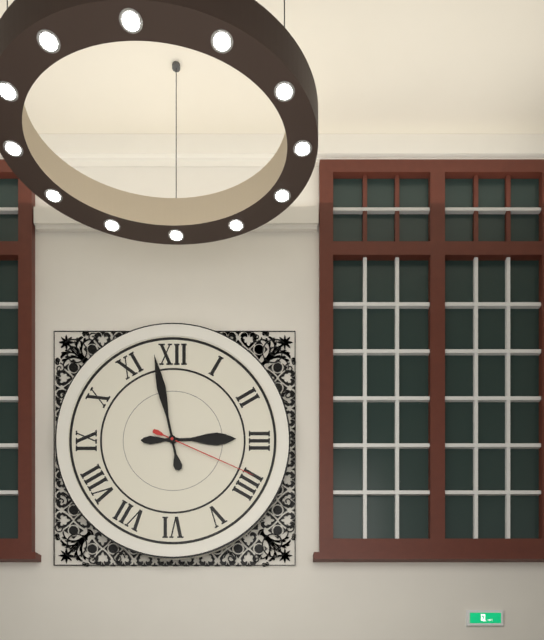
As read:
h=2 m=58 s=19
